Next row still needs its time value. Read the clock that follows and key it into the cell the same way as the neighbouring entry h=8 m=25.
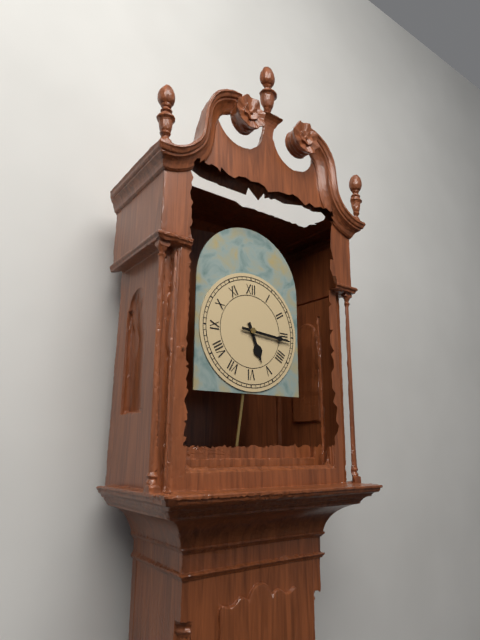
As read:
h=5 m=16
